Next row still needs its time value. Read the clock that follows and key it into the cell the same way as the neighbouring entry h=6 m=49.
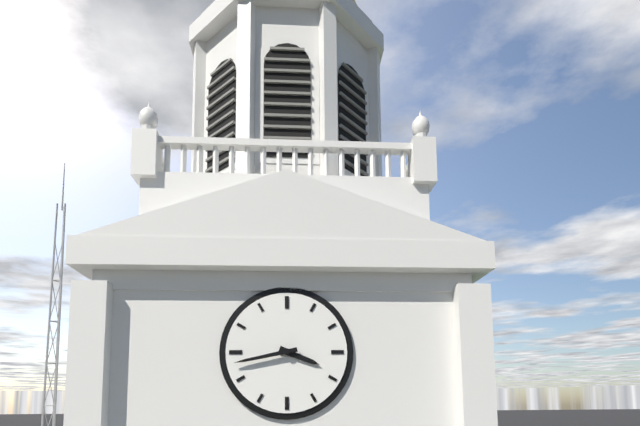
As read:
h=3 m=43
